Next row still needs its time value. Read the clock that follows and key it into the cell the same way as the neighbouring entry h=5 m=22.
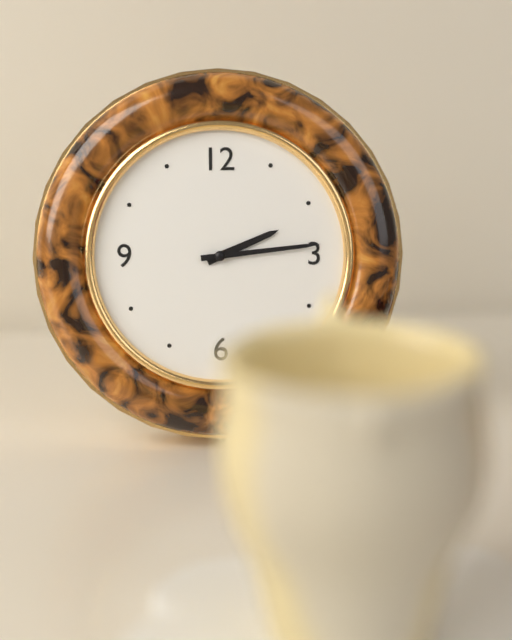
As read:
h=2 m=14
